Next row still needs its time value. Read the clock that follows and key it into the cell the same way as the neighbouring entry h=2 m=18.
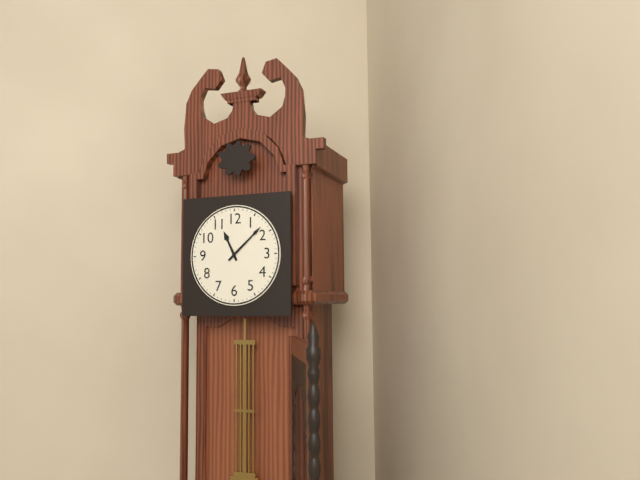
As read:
h=11 m=8
